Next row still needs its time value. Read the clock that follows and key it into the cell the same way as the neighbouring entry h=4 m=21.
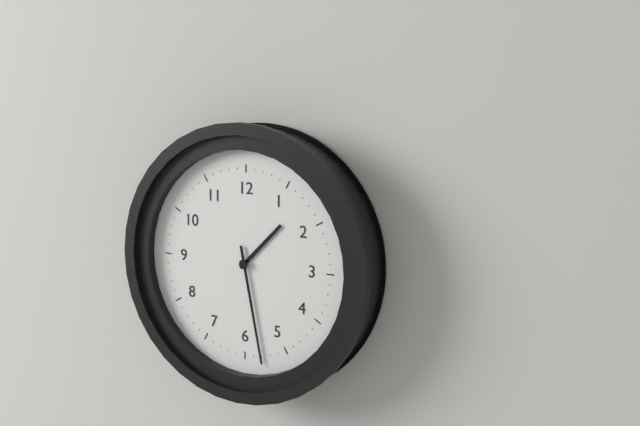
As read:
h=1 m=28
